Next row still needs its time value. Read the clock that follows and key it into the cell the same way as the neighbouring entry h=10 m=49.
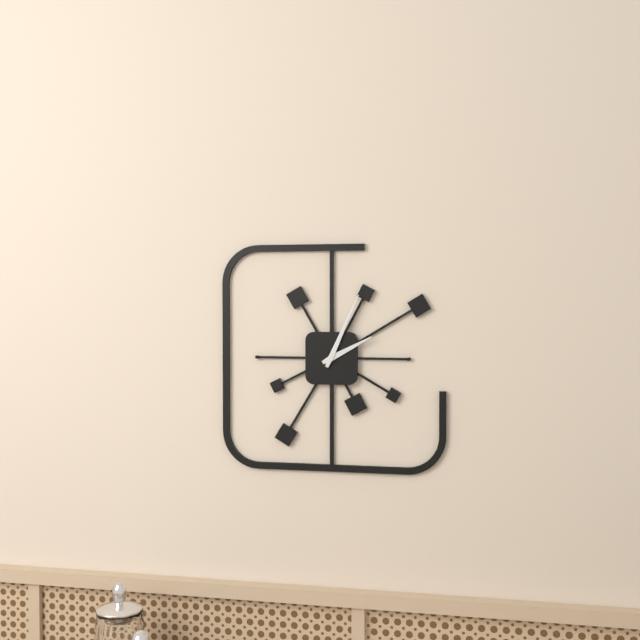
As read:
h=2 m=4
